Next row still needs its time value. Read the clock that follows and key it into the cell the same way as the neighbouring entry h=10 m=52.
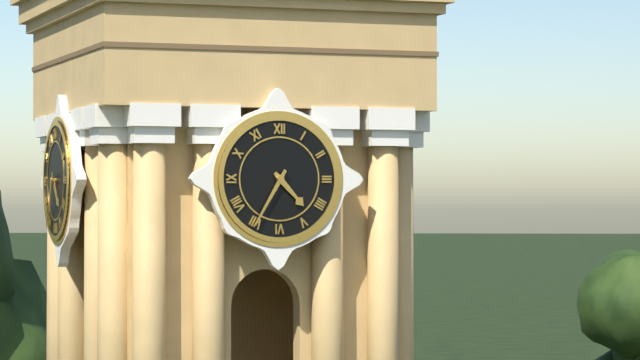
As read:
h=4 m=35
